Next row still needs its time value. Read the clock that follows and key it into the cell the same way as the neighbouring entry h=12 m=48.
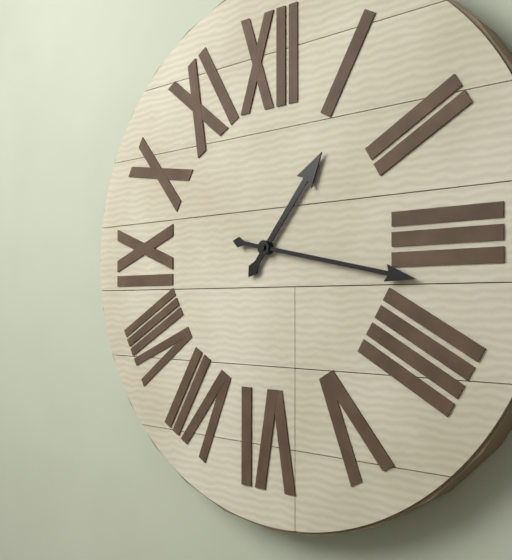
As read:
h=1 m=17
